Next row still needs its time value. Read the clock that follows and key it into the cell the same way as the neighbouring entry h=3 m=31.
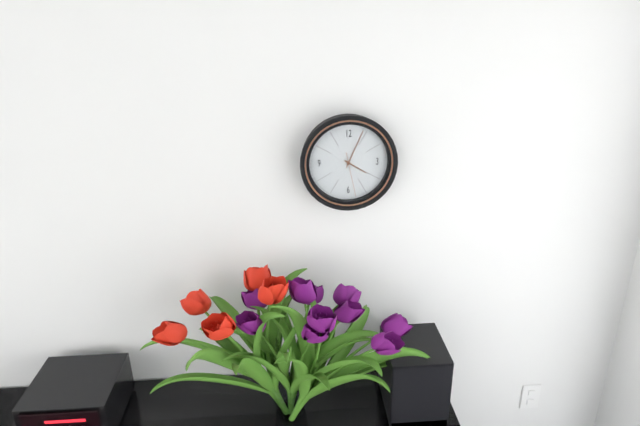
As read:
h=4 m=4
